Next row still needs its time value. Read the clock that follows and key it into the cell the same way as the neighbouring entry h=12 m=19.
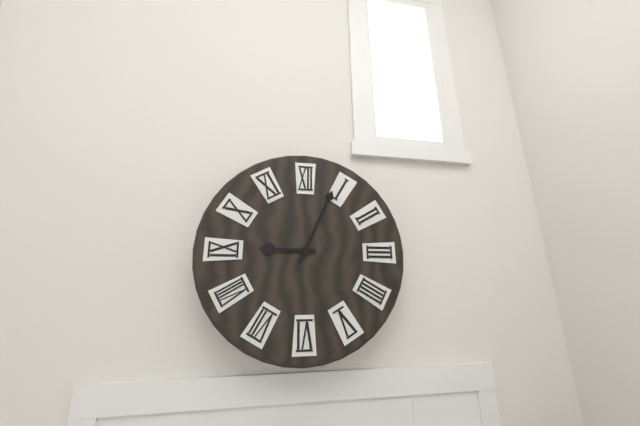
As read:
h=9 m=4
